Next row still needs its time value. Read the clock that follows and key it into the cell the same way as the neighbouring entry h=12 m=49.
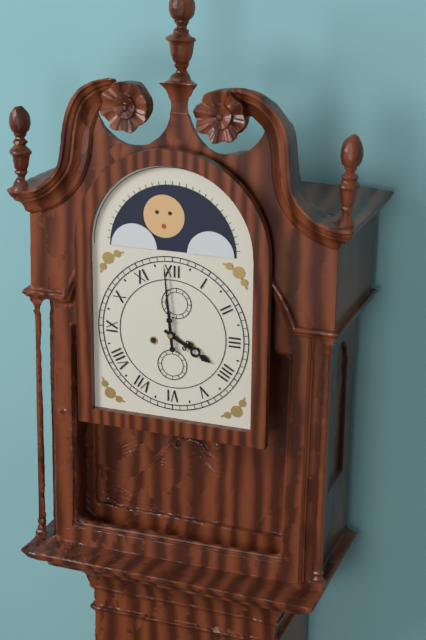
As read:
h=3 m=59
